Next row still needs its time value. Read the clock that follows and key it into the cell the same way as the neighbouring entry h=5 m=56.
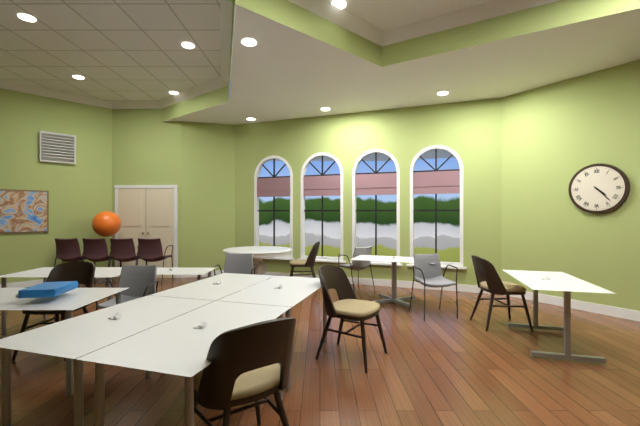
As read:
h=4 m=23
